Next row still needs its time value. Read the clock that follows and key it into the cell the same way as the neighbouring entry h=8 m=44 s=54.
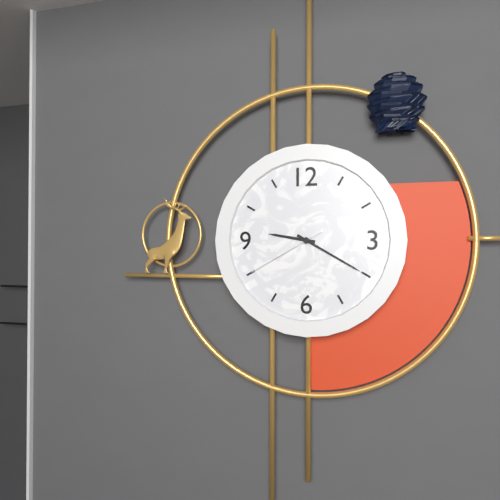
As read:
h=9 m=20 s=40
